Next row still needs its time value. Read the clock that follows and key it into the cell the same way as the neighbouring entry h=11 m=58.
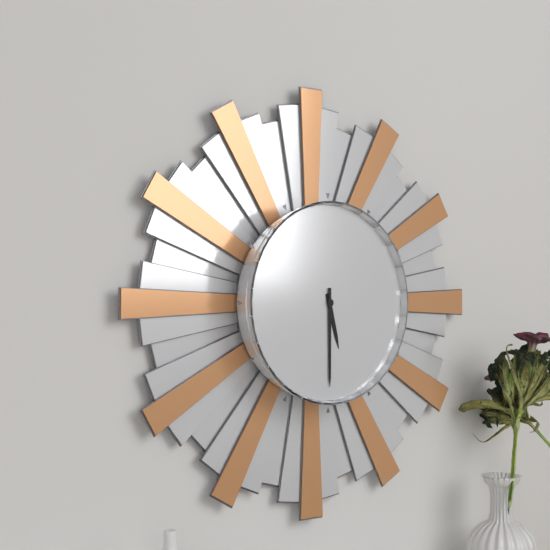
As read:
h=5 m=30
